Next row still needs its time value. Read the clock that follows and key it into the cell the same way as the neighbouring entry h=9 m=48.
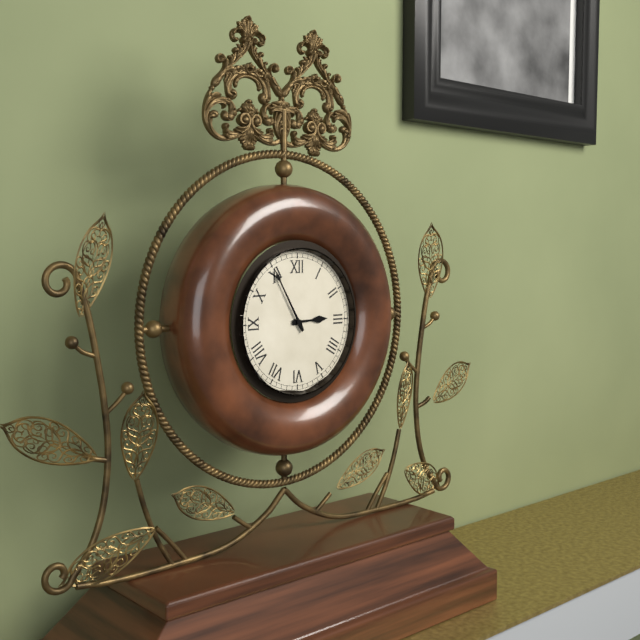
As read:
h=2 m=55
